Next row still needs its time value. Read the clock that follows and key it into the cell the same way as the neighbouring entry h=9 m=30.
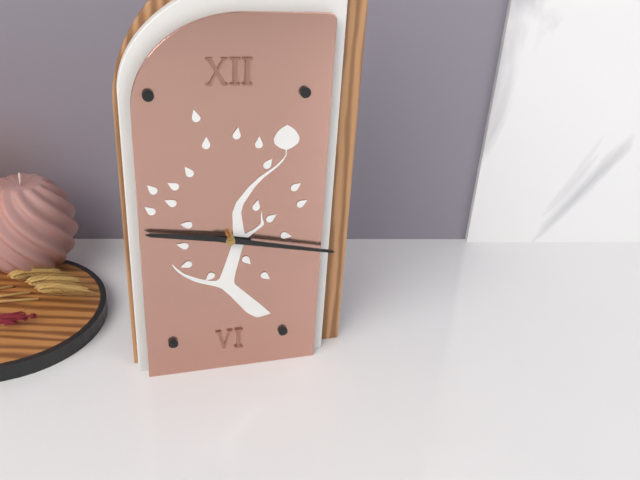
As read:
h=9 m=17
